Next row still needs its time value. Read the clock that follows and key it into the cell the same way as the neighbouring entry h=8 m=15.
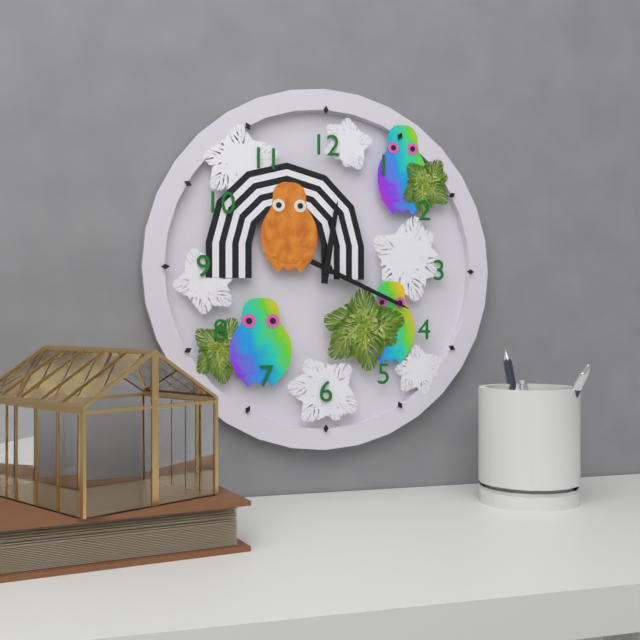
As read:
h=12 m=19
